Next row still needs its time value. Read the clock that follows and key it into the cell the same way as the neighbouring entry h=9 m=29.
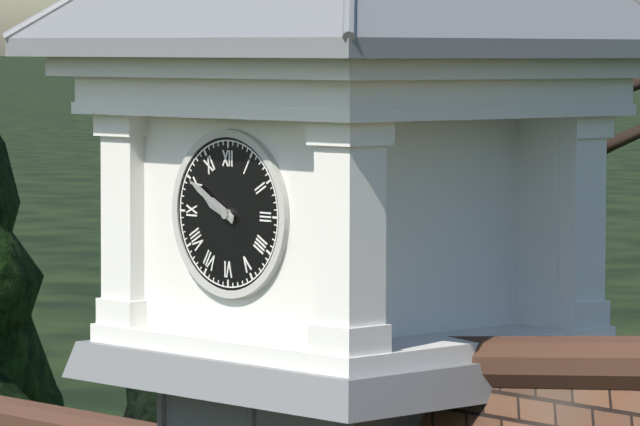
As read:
h=9 m=50
